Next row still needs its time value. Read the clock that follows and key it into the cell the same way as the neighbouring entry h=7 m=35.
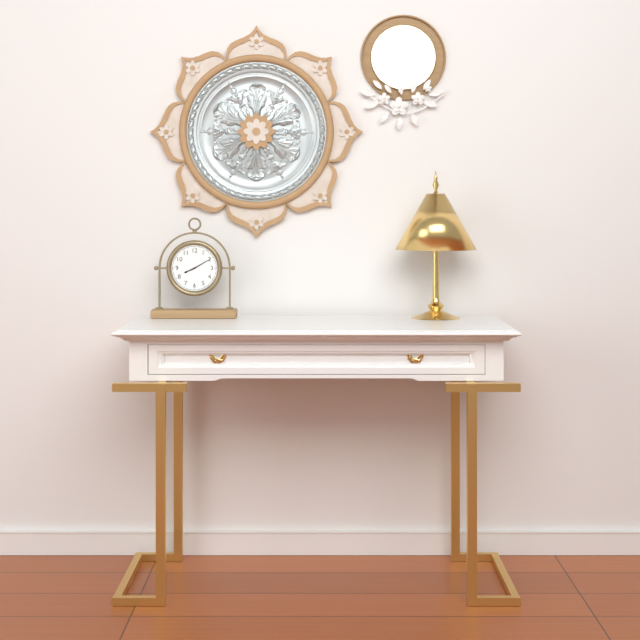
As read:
h=8 m=10
